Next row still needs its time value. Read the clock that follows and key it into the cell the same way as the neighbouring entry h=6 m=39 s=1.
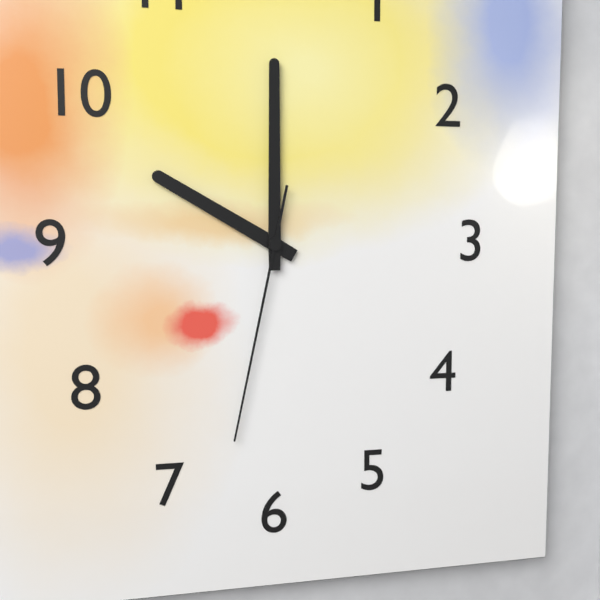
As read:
h=10 m=0 s=32
